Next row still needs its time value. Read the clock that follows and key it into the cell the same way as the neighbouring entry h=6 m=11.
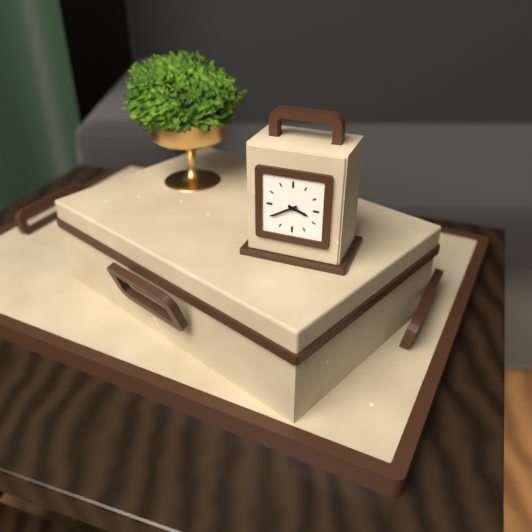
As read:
h=3 m=40
